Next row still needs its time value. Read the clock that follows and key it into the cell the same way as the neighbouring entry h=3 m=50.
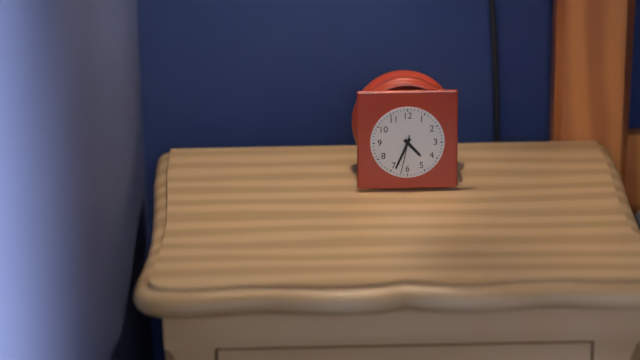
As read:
h=4 m=34
